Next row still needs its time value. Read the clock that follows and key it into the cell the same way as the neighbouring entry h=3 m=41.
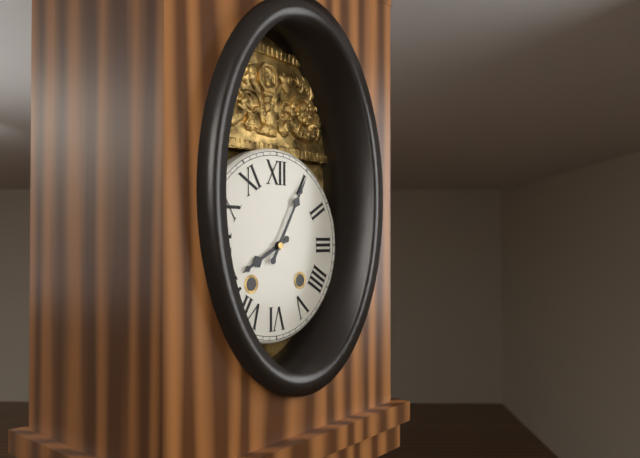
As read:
h=8 m=5
